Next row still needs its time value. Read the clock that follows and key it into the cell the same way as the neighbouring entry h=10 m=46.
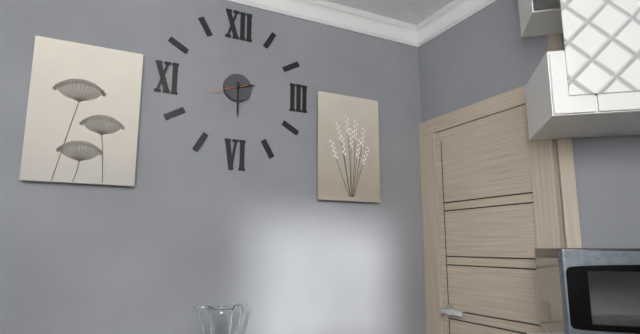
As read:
h=2 m=30
